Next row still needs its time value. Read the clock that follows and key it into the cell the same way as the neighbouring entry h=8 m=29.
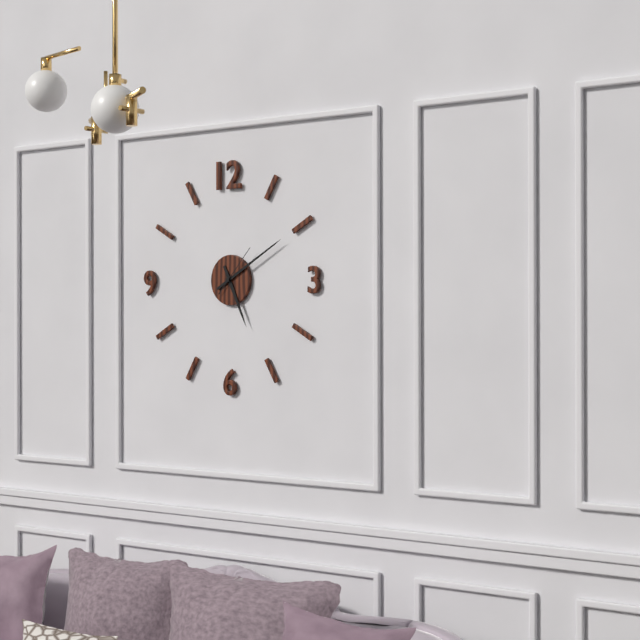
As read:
h=5 m=10
